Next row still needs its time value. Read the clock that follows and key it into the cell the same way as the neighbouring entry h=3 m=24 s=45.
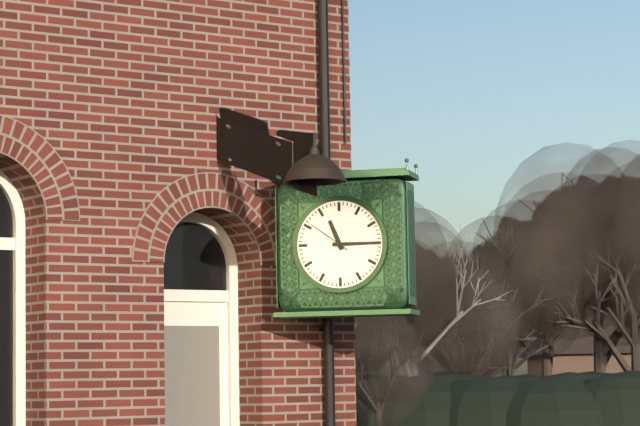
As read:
h=11 m=15 s=51
